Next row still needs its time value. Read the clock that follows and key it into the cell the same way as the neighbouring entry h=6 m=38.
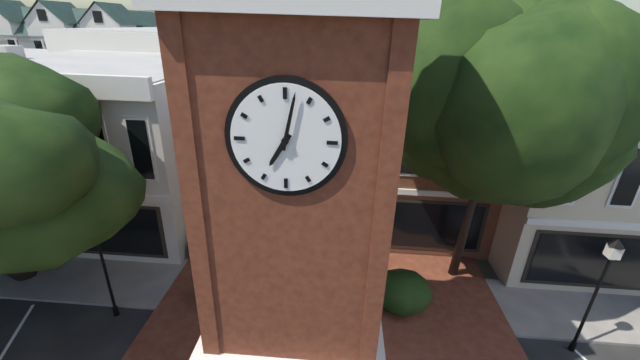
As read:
h=7 m=2
